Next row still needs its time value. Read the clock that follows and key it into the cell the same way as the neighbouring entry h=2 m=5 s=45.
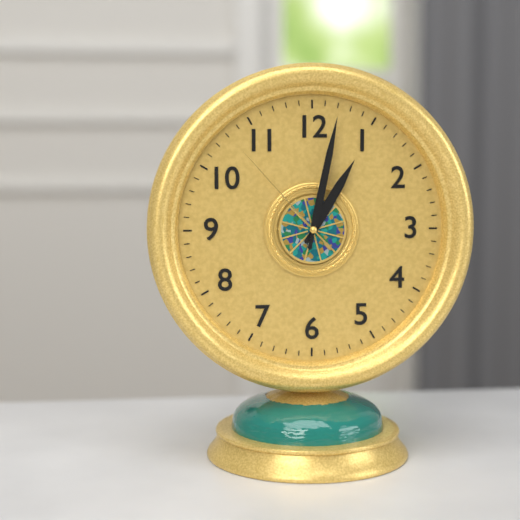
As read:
h=1 m=2 s=53
